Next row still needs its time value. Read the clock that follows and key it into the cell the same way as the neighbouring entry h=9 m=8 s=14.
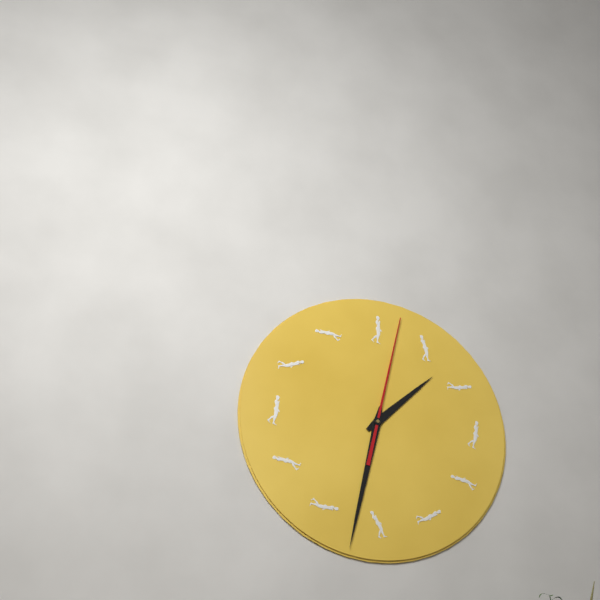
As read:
h=1 m=32 s=2
